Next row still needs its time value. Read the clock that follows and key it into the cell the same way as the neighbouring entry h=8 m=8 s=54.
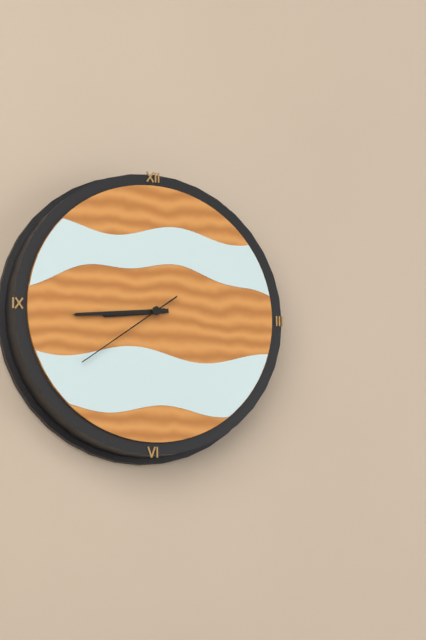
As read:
h=8 m=44 s=39
